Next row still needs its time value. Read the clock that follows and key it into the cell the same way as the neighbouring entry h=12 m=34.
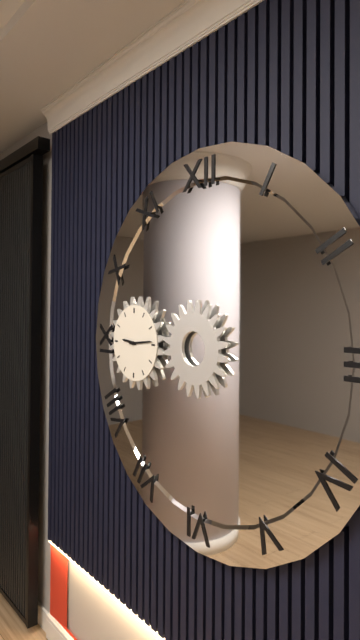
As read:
h=9 m=14
